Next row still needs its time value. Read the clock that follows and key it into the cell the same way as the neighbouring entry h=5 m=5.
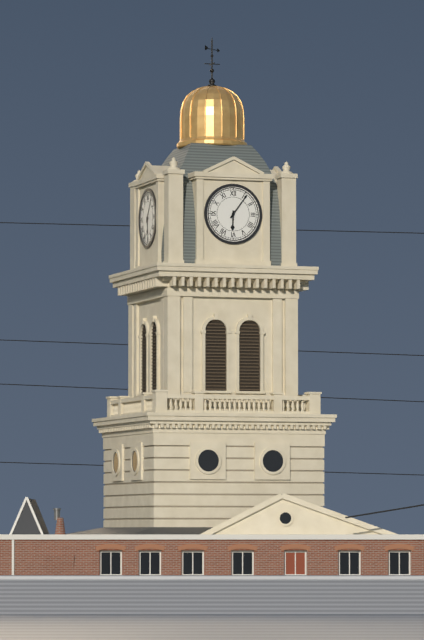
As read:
h=6 m=6
